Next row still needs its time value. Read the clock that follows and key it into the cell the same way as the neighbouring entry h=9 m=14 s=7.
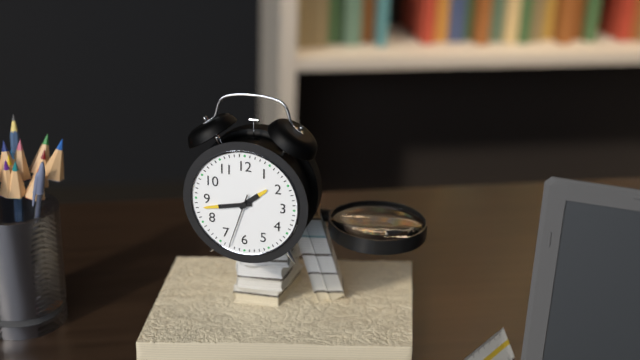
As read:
h=1 m=43 s=33
